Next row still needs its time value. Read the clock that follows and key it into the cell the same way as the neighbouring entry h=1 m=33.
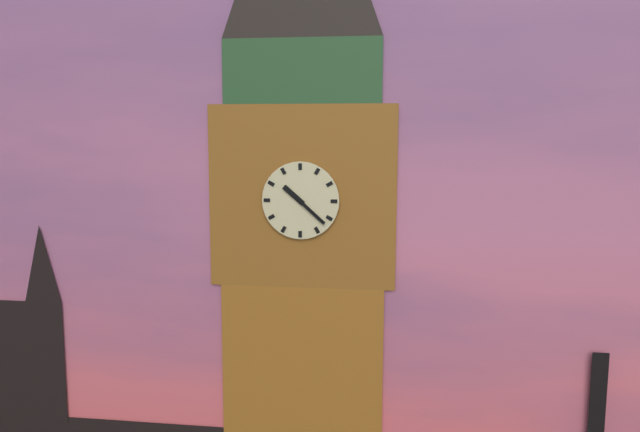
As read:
h=10 m=22
